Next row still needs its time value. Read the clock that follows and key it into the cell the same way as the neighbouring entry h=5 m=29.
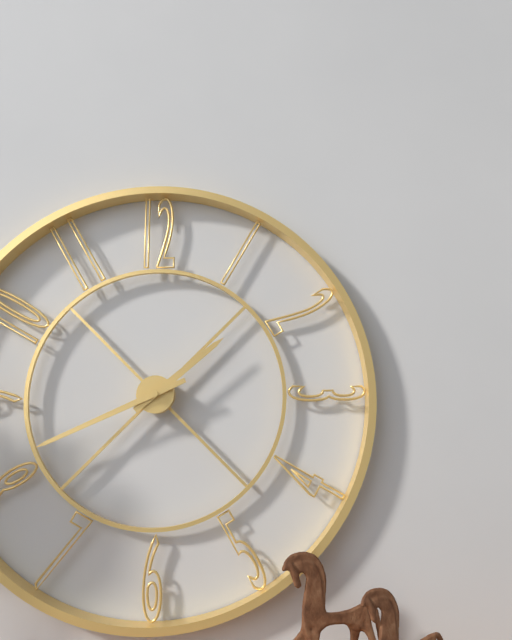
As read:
h=1 m=41
